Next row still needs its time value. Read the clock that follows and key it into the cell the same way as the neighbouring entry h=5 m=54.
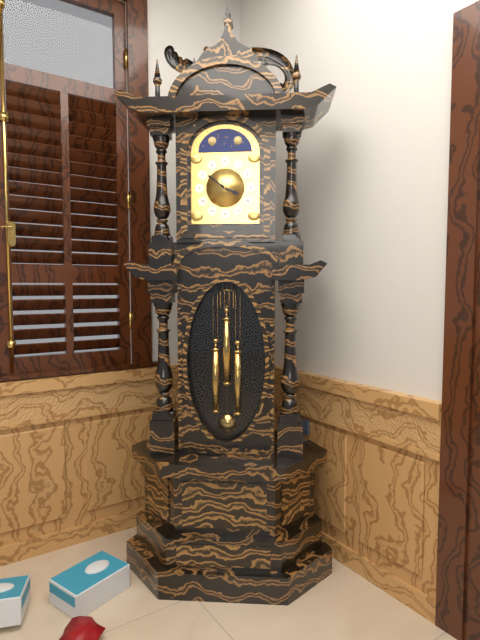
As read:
h=3 m=51
